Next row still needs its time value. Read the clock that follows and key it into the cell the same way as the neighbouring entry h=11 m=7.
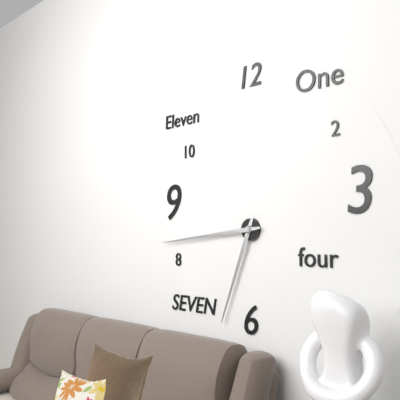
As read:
h=6 m=44
